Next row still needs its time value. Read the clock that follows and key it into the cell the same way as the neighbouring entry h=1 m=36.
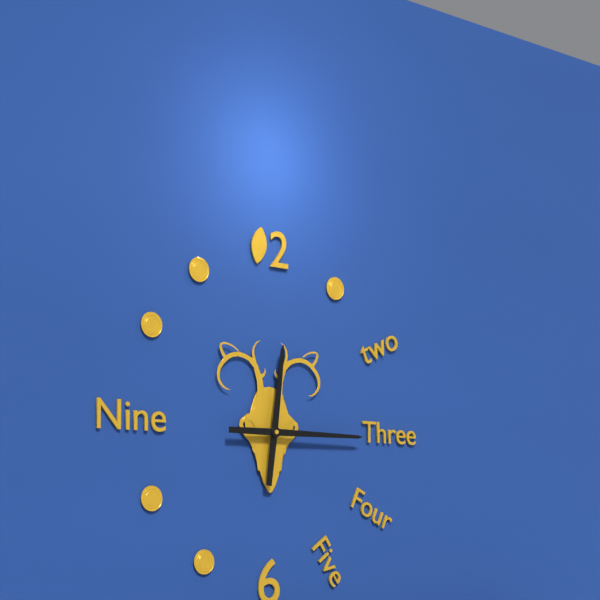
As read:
h=12 m=15
